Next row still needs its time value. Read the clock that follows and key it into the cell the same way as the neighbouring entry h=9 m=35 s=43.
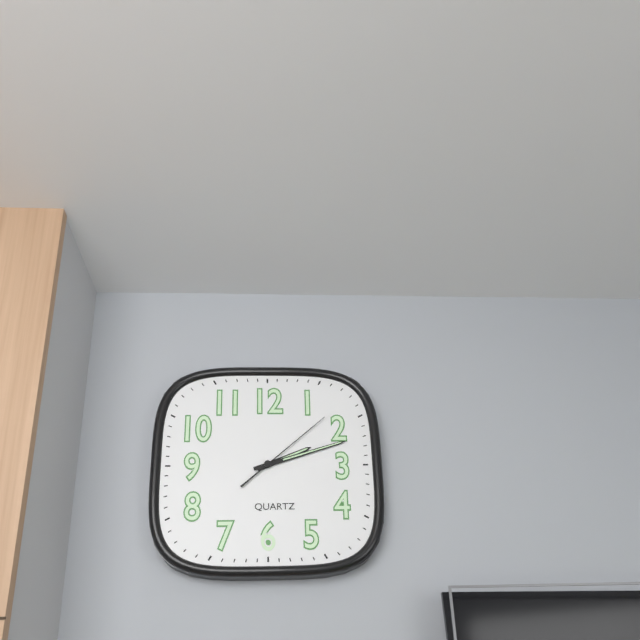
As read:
h=2 m=12 s=8
